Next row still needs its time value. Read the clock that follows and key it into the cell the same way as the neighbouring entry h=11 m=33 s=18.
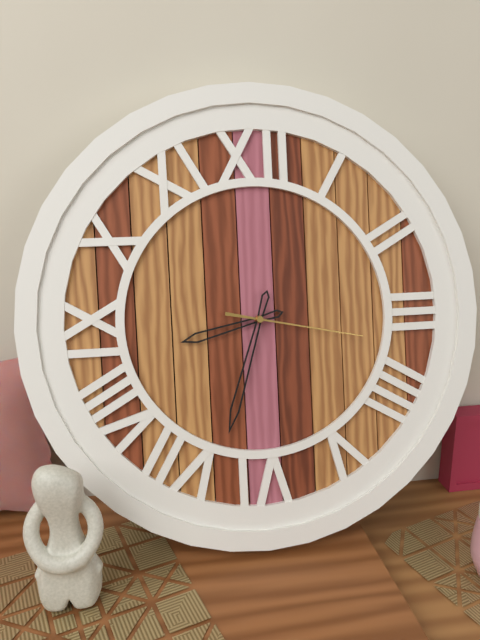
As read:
h=8 m=33 s=17
